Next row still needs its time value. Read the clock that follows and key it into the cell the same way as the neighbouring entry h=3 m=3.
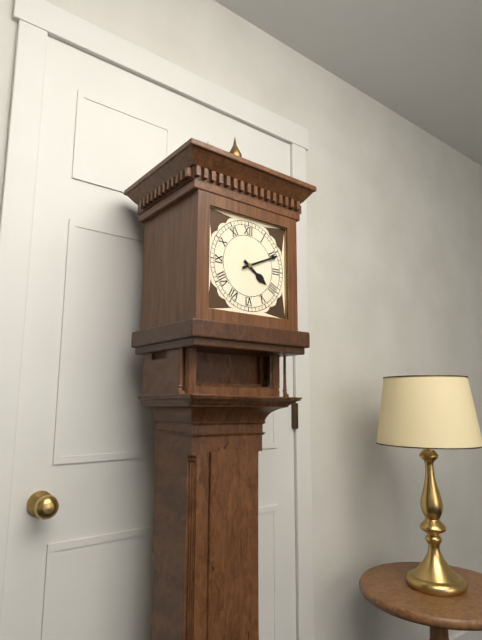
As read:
h=4 m=11
